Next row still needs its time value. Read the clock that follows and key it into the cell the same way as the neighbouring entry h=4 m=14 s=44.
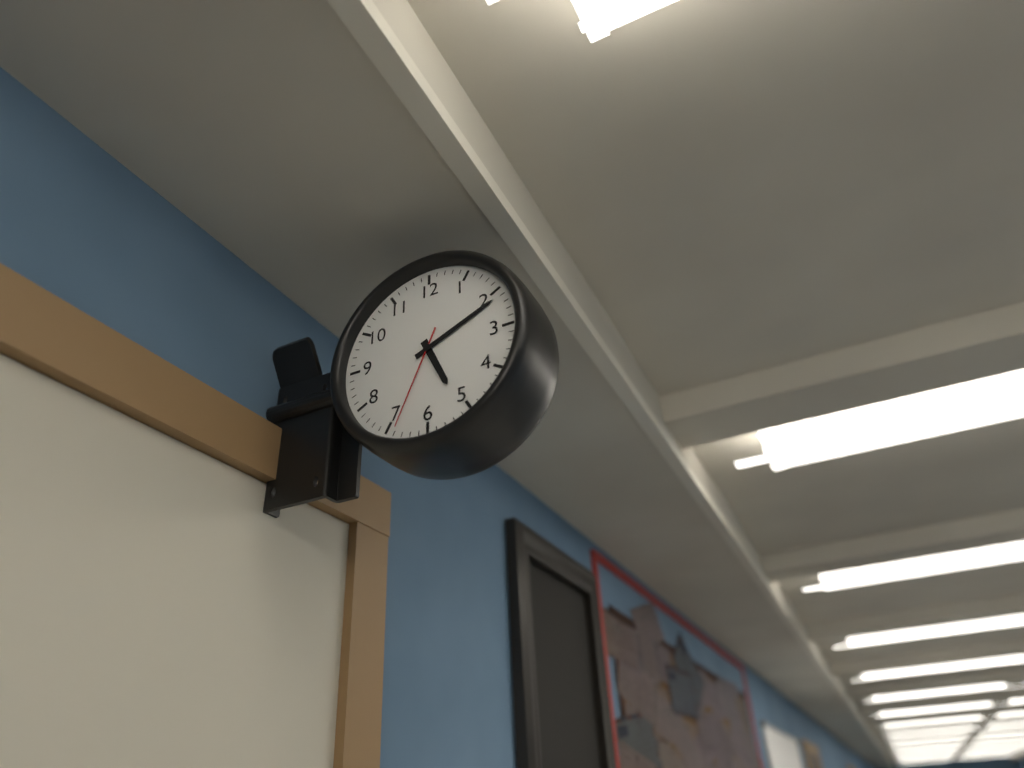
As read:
h=5 m=11 s=34
